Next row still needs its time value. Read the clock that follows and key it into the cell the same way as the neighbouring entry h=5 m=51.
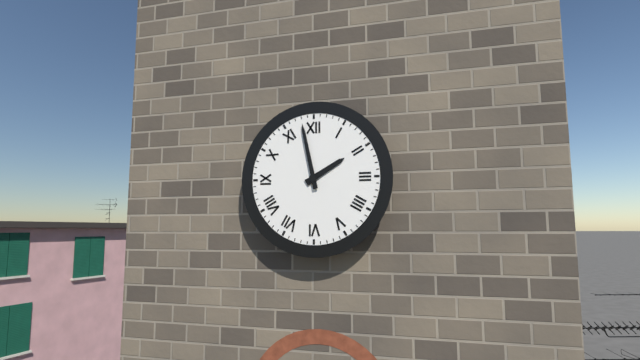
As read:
h=1 m=58
